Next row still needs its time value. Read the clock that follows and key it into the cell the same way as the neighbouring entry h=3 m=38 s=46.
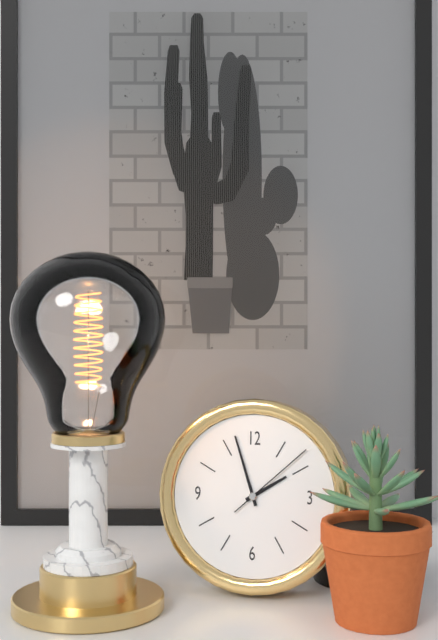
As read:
h=1 m=57 s=8
